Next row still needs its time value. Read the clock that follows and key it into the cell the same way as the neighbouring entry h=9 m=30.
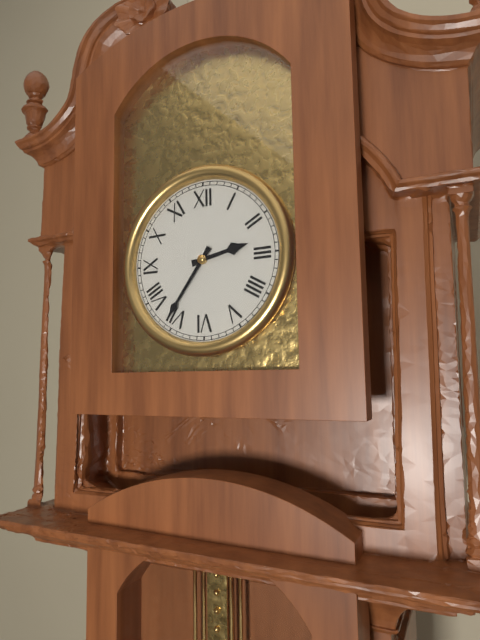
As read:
h=2 m=36
